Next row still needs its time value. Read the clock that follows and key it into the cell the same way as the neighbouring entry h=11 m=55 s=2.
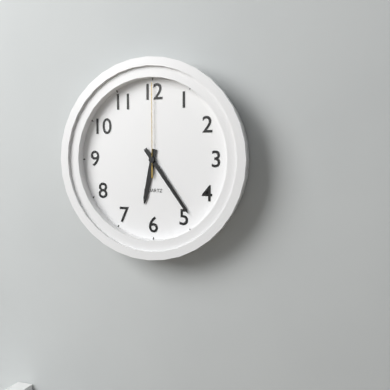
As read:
h=6 m=24 s=0
